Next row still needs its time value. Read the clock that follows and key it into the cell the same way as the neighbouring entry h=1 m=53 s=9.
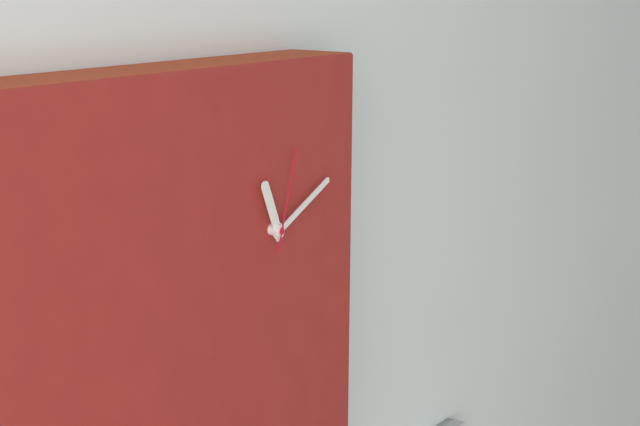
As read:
h=11 m=11 s=3
